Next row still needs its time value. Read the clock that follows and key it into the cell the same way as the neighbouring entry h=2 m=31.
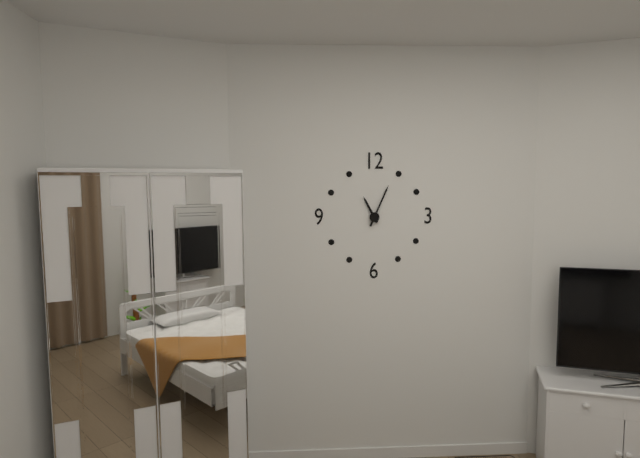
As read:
h=11 m=4
